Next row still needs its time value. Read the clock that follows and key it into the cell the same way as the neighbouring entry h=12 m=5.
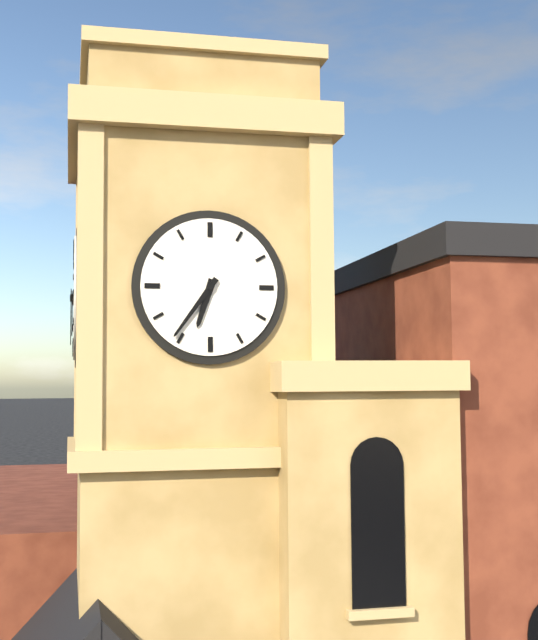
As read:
h=6 m=36
